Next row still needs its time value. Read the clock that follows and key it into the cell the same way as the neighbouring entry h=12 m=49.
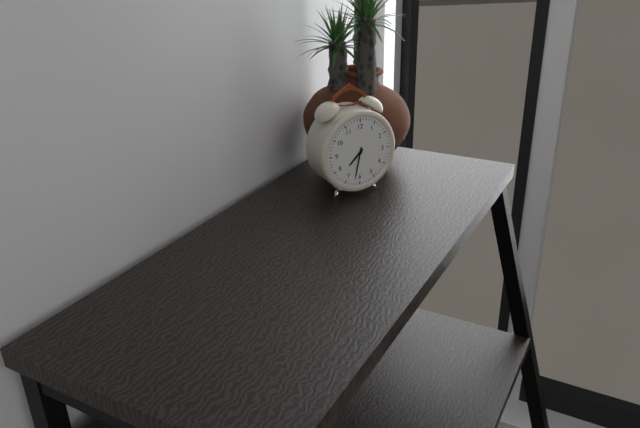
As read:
h=7 m=32
